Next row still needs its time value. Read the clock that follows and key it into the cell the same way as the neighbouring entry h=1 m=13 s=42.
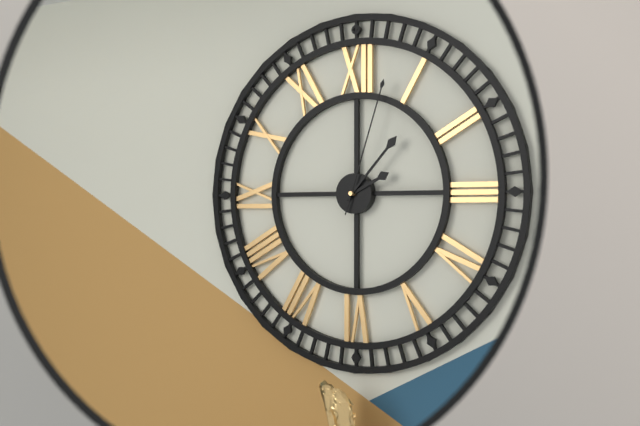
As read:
h=2 m=7 s=3
